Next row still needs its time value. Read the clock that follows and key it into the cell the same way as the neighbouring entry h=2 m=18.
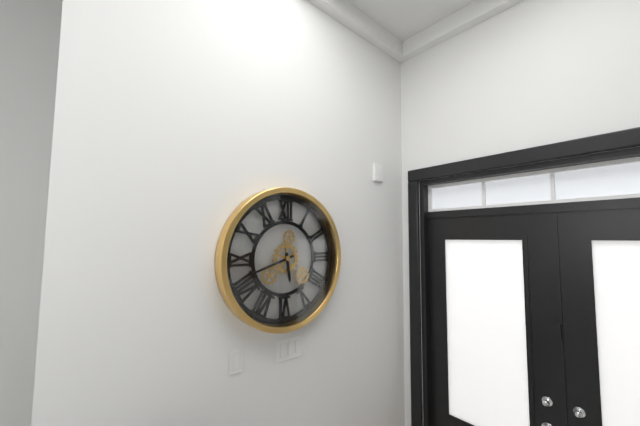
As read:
h=5 m=42
